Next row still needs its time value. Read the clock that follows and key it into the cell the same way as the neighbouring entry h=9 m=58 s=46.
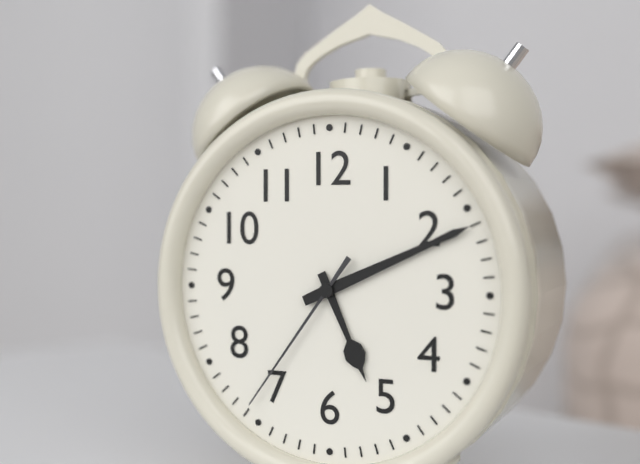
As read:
h=5 m=11 s=36
